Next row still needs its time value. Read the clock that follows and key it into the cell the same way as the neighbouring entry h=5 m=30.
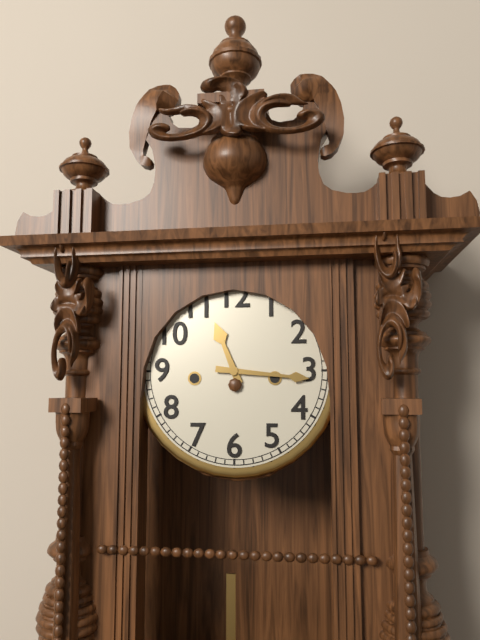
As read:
h=11 m=16
